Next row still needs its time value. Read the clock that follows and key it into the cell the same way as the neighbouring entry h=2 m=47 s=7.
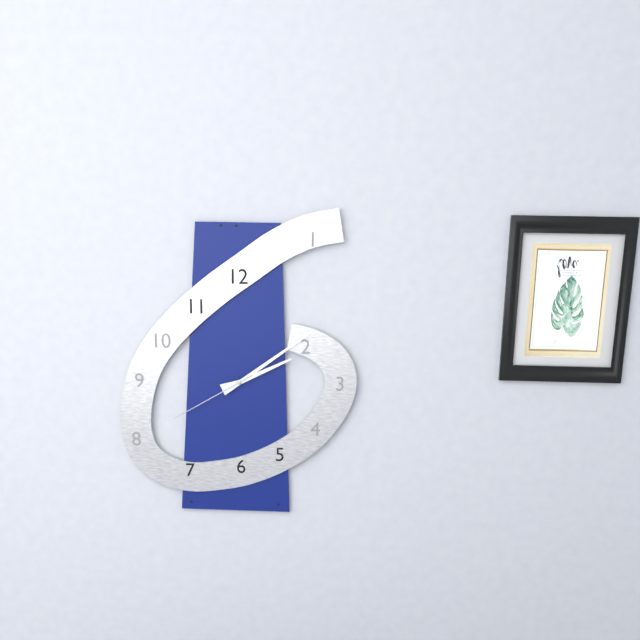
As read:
h=2 m=9 s=40
